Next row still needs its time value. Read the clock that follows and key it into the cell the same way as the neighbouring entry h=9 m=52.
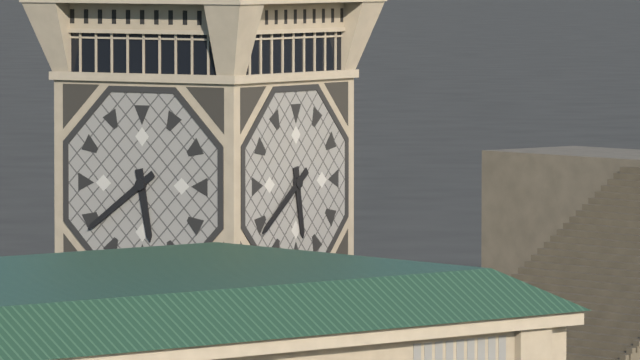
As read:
h=5 m=39
